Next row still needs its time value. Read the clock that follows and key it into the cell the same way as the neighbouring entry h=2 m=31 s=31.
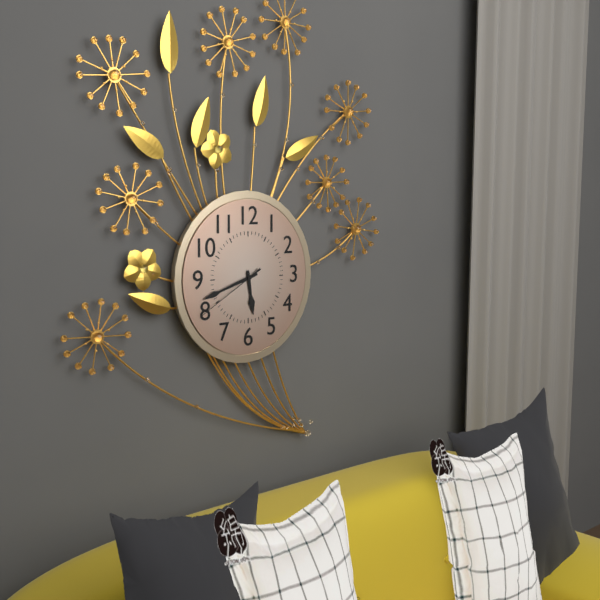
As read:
h=5 m=42 s=40
